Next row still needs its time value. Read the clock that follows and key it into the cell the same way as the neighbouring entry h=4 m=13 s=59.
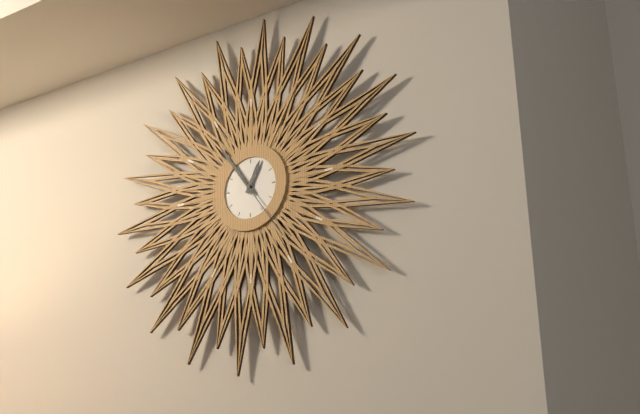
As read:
h=12 m=54 s=24
